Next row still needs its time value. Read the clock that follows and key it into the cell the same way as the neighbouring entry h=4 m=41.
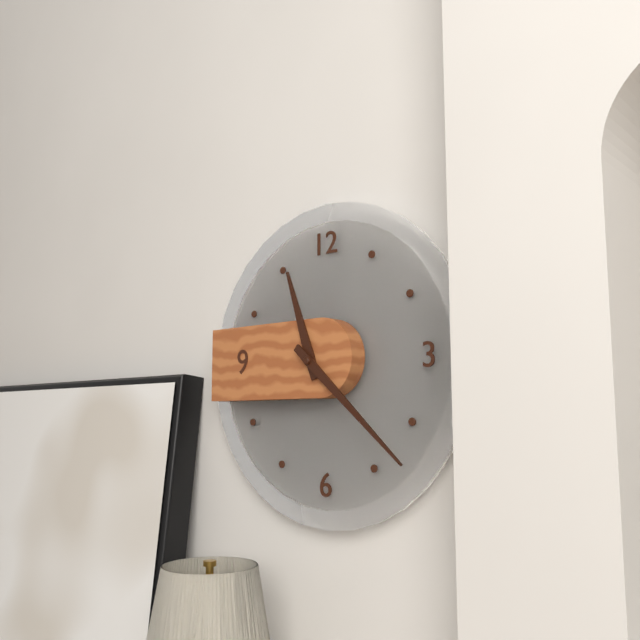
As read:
h=11 m=22
